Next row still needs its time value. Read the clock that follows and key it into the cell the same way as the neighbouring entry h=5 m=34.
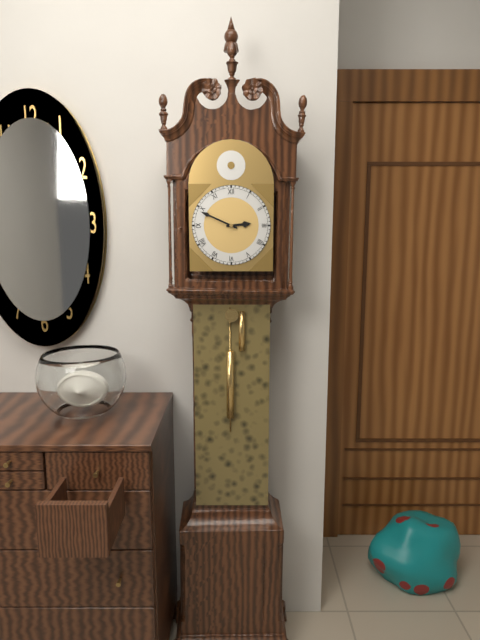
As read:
h=2 m=49
